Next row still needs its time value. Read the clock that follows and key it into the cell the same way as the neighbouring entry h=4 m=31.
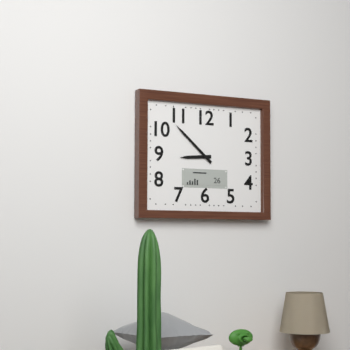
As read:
h=8 m=52
